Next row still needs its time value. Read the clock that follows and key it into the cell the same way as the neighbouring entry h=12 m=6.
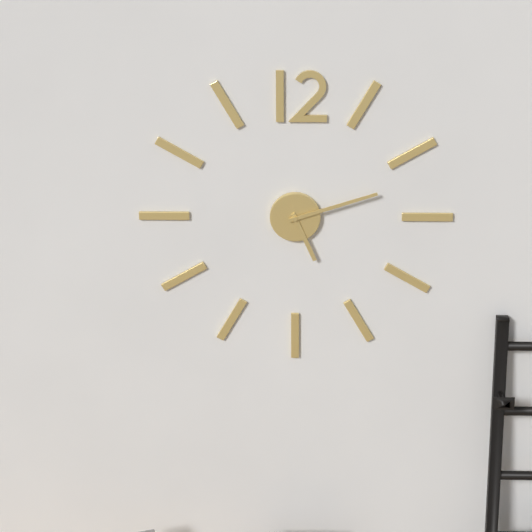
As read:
h=5 m=12
